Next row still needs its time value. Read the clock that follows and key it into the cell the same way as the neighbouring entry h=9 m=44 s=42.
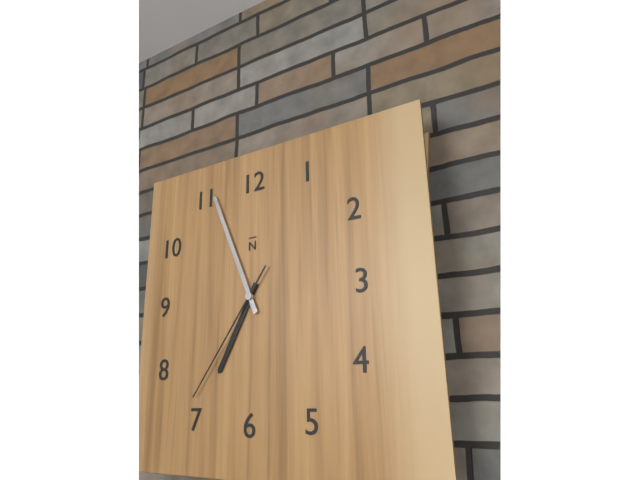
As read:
h=6 m=56 s=36
